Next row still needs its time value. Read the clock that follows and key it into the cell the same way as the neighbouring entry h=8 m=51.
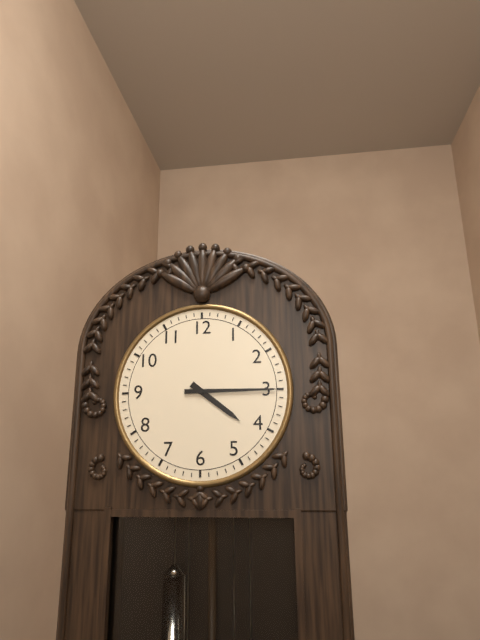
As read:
h=4 m=15
